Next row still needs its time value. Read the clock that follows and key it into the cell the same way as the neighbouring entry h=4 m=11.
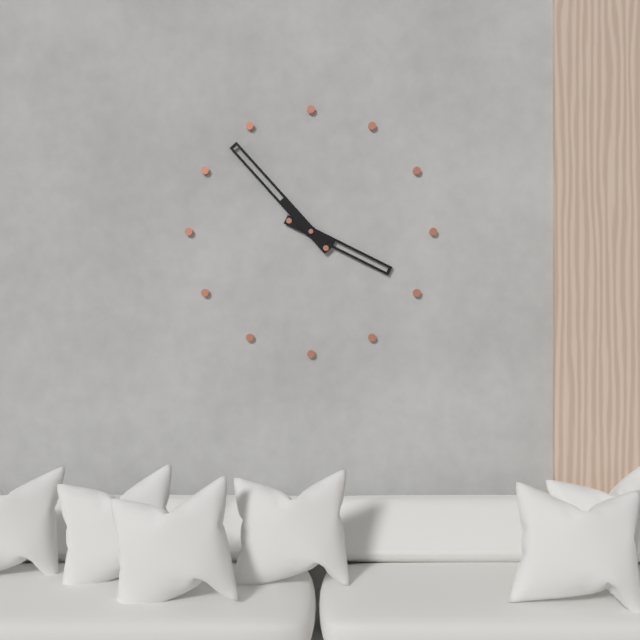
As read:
h=3 m=53
